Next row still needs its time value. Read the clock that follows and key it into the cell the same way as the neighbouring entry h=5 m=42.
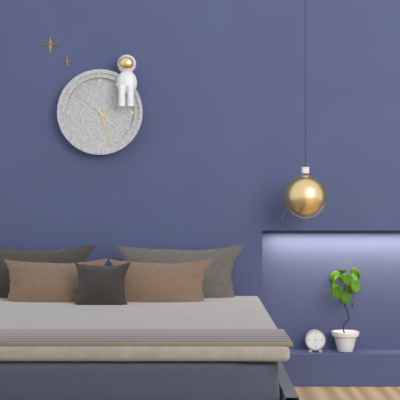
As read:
h=4 m=27
